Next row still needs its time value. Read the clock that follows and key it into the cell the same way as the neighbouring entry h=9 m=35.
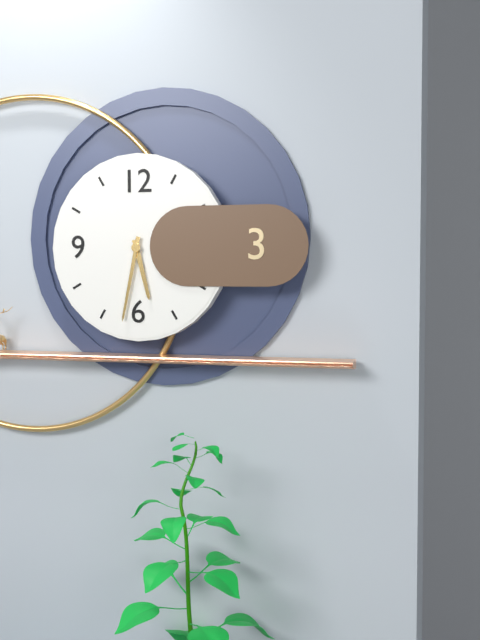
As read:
h=5 m=32
